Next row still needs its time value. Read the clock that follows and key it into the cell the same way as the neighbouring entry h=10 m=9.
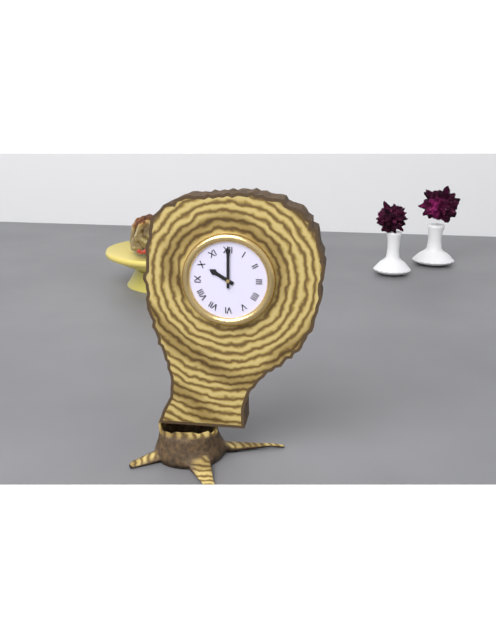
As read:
h=10 m=0
